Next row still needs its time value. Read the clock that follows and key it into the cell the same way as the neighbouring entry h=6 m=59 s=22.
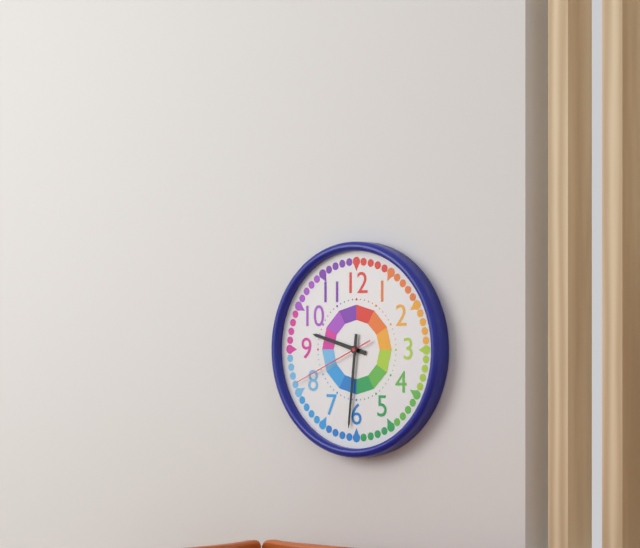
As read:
h=9 m=31 s=41
